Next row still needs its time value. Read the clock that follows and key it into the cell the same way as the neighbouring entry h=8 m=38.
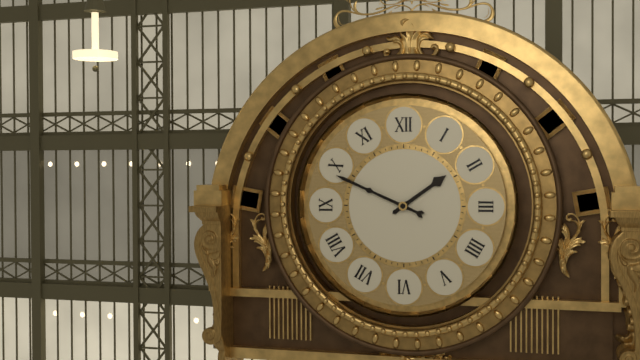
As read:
h=1 m=49
